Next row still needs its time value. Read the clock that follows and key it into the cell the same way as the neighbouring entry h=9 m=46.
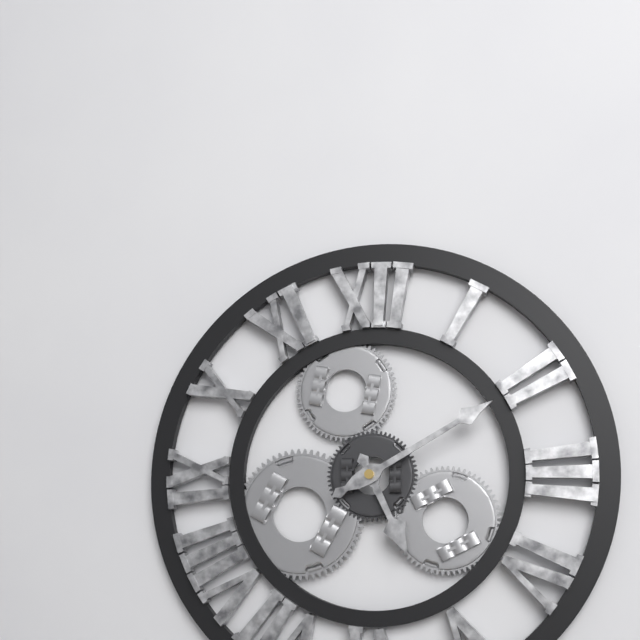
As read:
h=5 m=10
